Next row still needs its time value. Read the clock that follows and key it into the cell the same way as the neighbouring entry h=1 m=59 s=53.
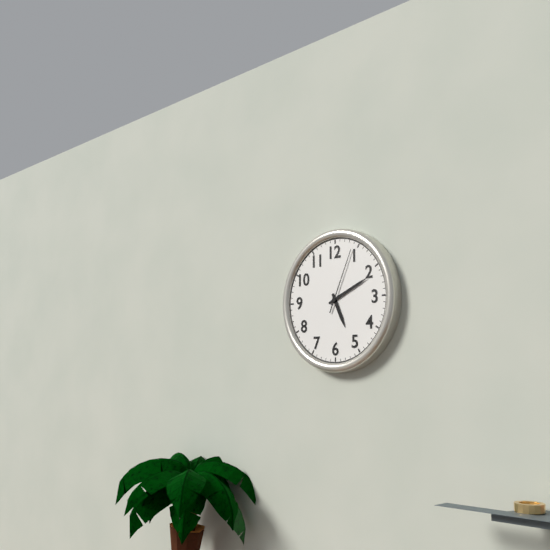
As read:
h=5 m=11 s=4
